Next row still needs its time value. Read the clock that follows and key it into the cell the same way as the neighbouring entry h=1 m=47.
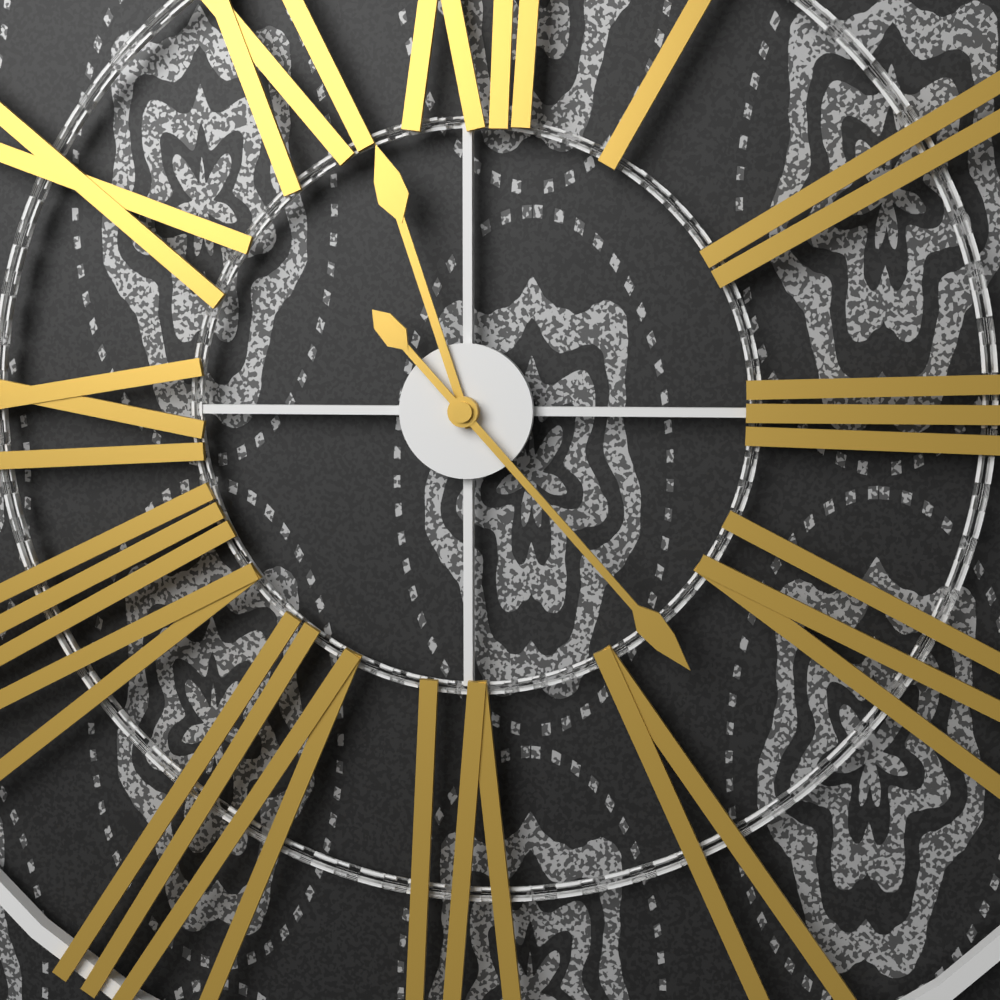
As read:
h=11 m=23
